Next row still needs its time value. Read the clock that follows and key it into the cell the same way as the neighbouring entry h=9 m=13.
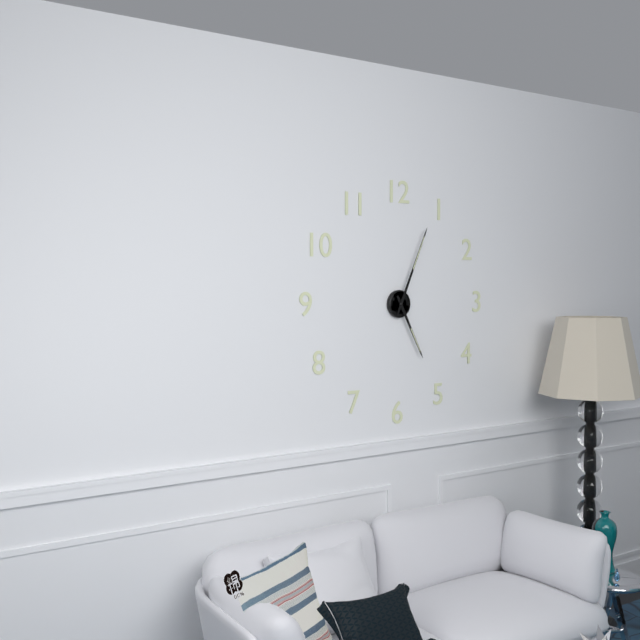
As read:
h=5 m=4
